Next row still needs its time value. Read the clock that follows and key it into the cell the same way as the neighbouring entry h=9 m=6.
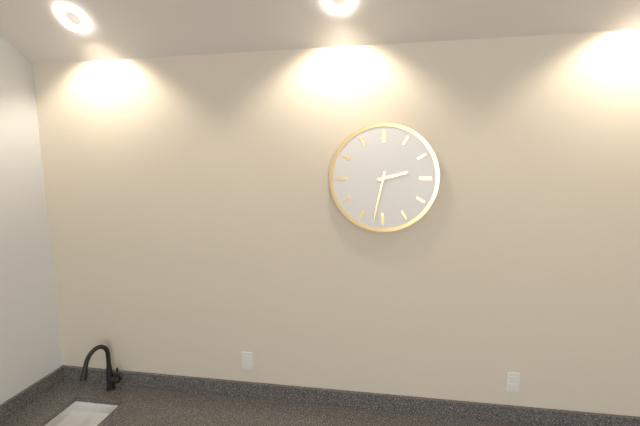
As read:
h=2 m=32
